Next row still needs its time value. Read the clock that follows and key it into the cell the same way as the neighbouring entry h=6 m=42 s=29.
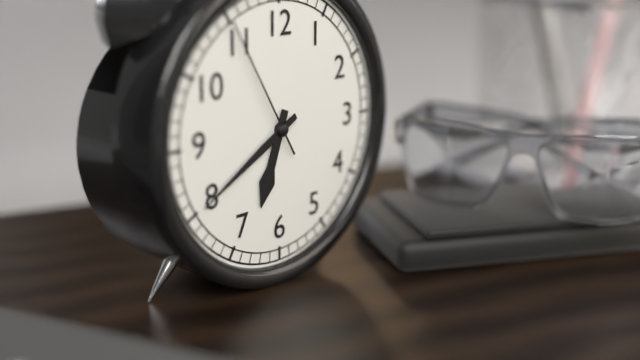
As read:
h=6 m=40 s=55
